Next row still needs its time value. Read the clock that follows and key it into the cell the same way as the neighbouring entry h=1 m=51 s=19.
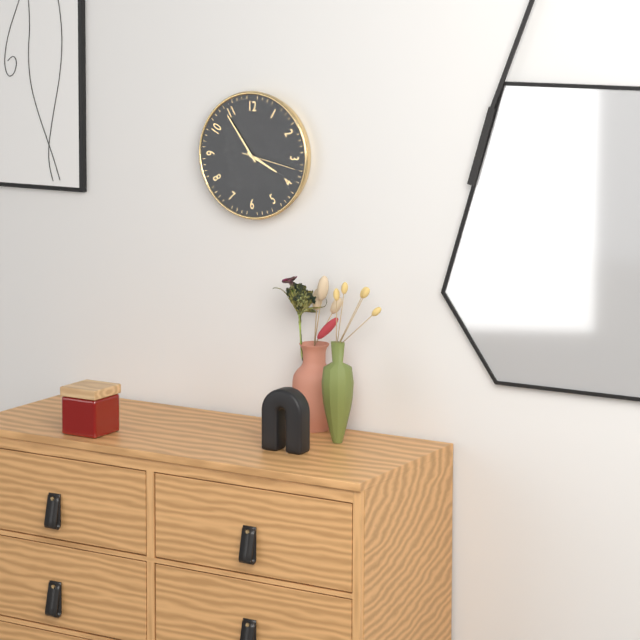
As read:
h=3 m=54 s=17
